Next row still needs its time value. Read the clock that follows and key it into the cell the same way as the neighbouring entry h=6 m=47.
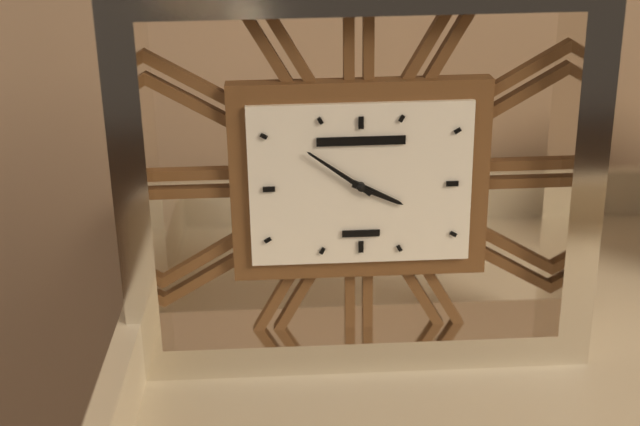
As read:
h=3 m=51
